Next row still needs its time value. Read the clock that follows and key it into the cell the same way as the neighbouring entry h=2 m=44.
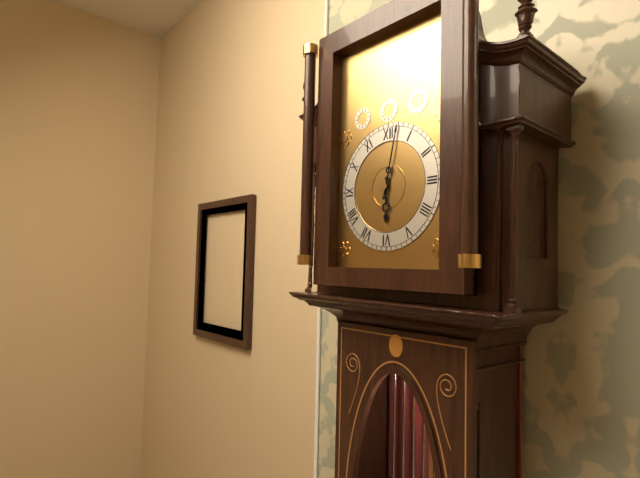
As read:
h=6 m=2
